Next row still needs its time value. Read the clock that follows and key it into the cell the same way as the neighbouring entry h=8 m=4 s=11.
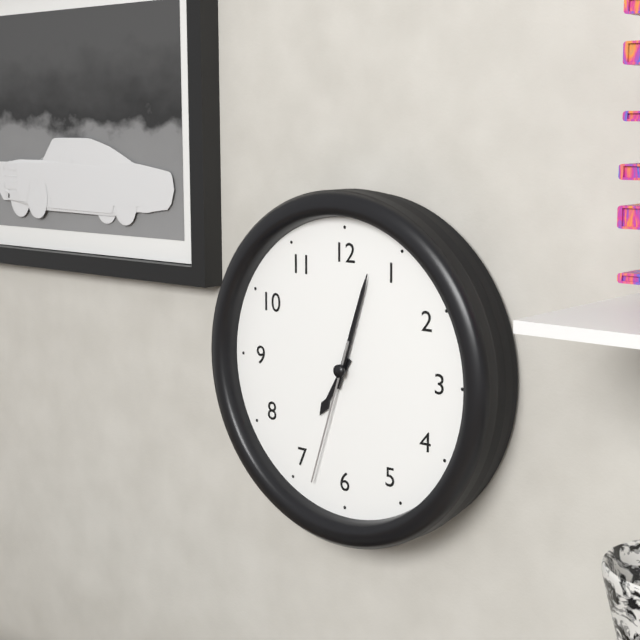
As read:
h=7 m=3 s=33
